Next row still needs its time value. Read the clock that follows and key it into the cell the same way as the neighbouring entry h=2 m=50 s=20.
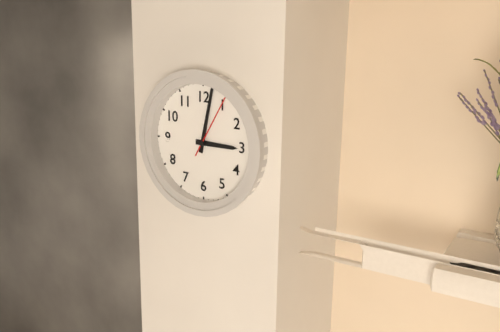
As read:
h=3 m=2 s=5
